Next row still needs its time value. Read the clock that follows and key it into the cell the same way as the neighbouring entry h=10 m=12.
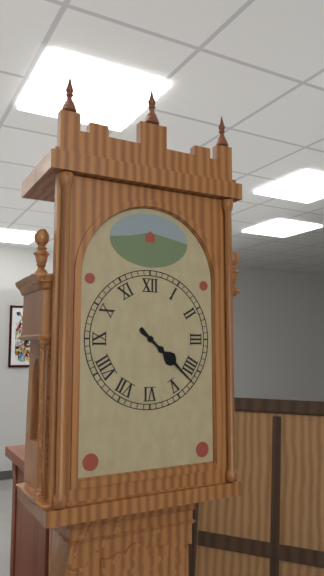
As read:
h=4 m=22
